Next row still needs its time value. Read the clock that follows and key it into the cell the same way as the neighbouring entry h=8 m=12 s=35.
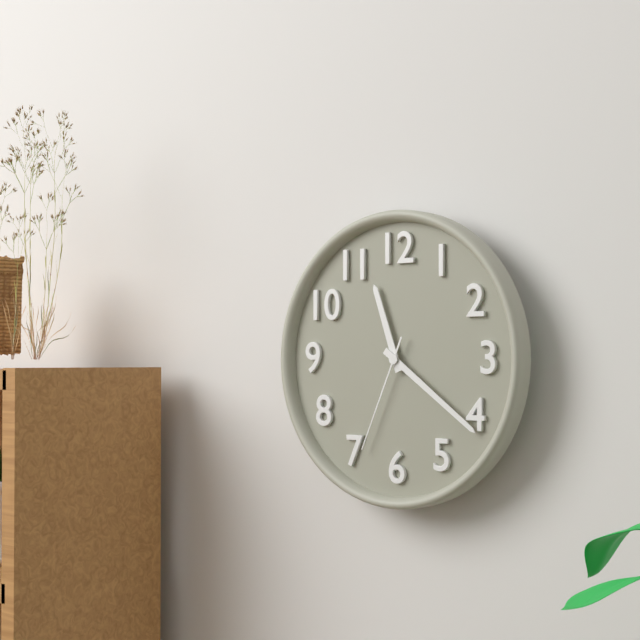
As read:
h=11 m=21 s=34
